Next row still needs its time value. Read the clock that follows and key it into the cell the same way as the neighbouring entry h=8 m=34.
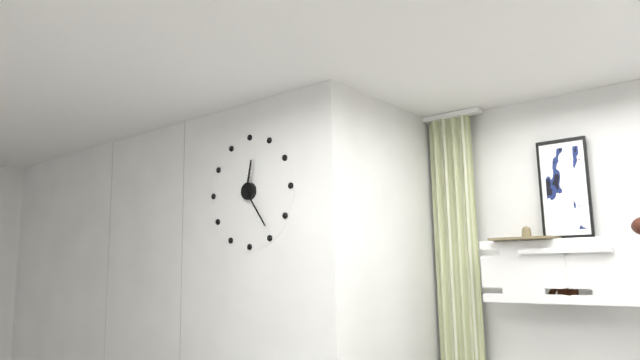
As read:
h=12 m=24
